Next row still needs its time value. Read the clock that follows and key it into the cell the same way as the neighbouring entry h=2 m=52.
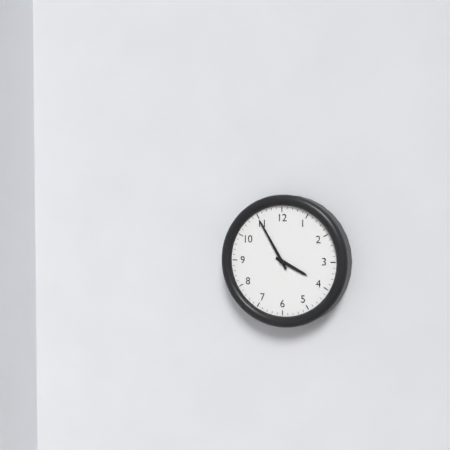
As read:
h=3 m=55
